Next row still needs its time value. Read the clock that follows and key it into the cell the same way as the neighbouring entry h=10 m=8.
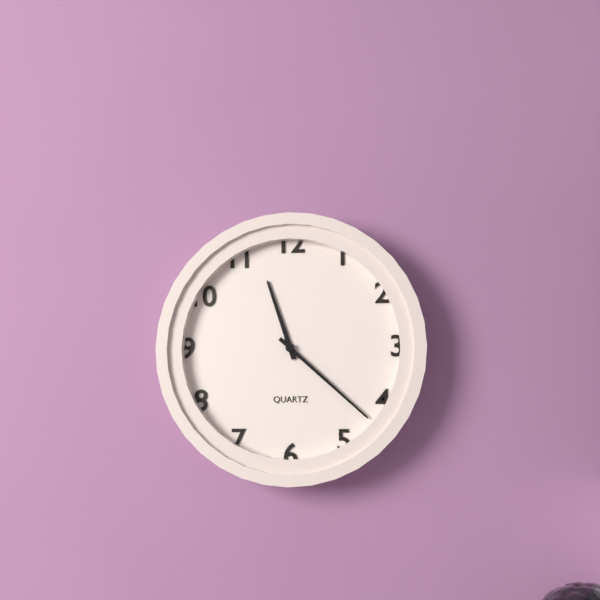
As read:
h=11 m=22
